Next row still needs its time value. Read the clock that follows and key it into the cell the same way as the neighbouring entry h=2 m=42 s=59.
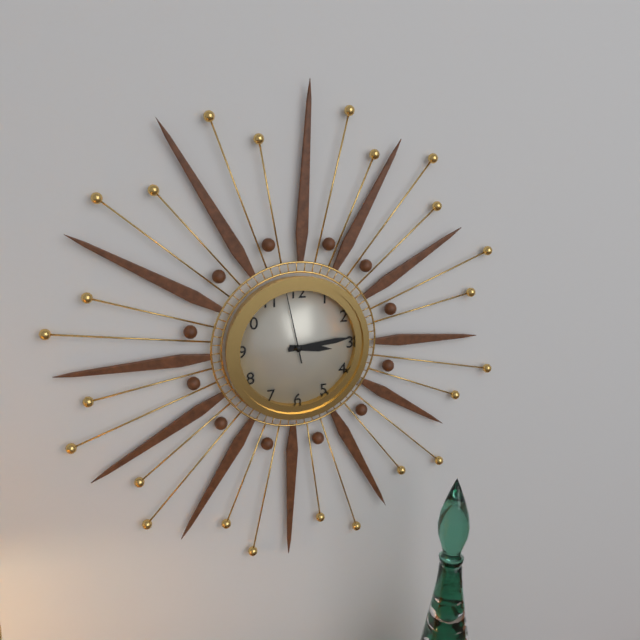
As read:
h=3 m=14 s=58
